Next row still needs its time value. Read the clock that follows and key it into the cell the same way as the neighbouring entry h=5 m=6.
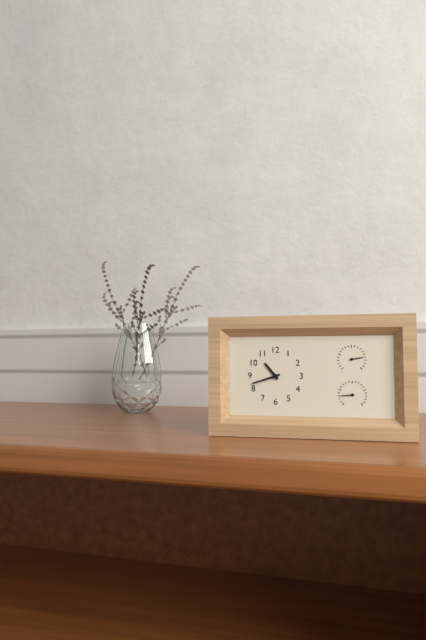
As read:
h=10 m=42
